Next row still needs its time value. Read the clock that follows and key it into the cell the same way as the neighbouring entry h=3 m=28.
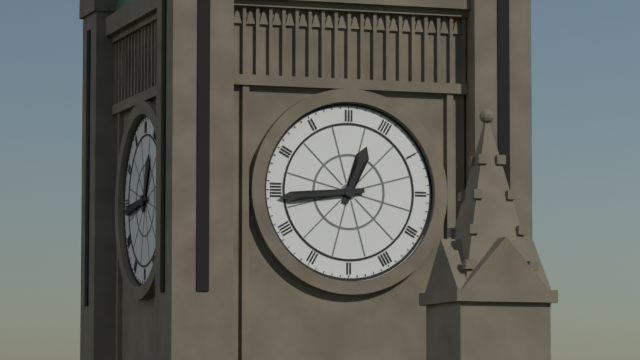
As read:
h=12 m=44
